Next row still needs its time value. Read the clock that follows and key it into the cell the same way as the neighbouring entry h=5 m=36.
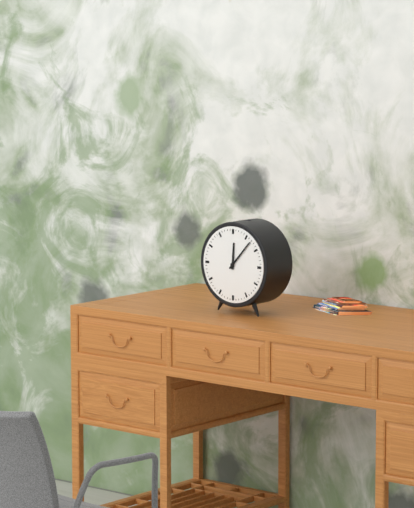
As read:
h=12 m=7
